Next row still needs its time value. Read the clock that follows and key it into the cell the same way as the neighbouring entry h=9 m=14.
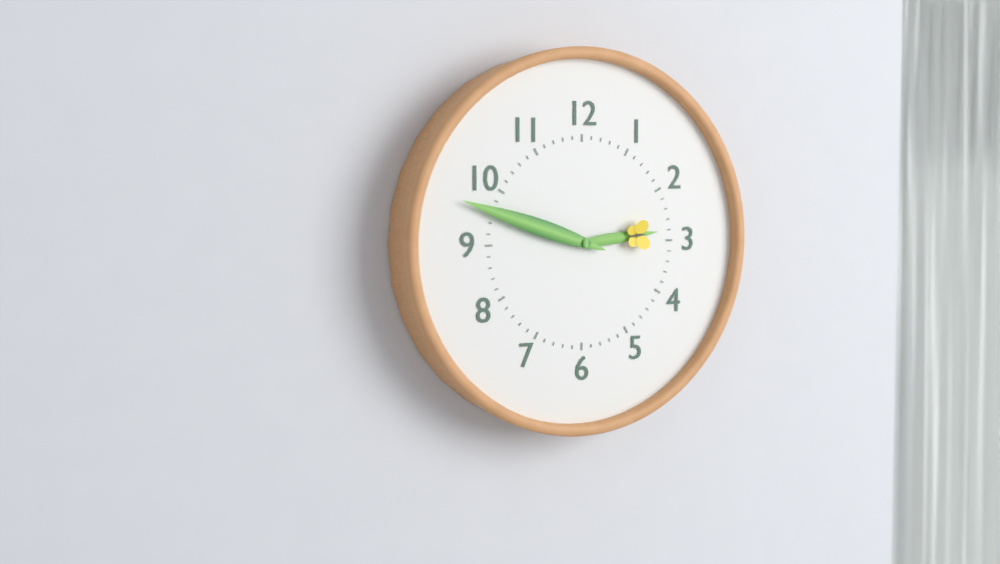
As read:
h=2 m=48
